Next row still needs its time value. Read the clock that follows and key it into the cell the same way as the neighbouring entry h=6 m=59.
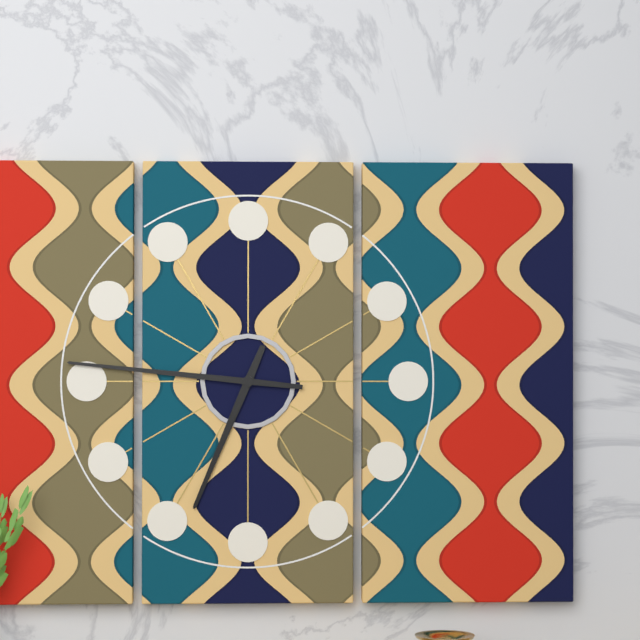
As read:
h=6 m=46
